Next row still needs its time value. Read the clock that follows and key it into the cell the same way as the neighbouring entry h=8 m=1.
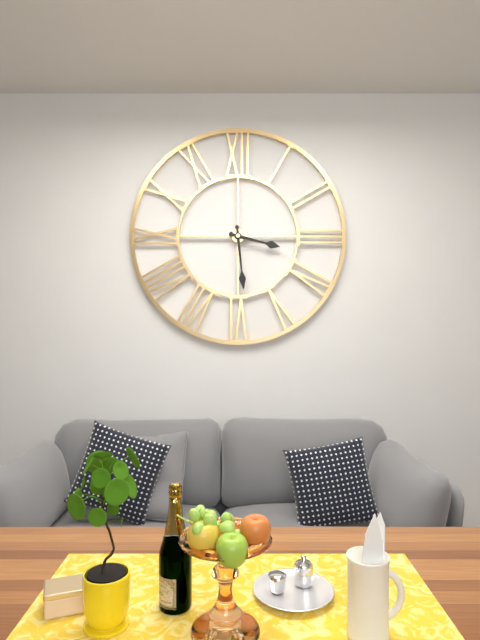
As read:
h=3 m=29
